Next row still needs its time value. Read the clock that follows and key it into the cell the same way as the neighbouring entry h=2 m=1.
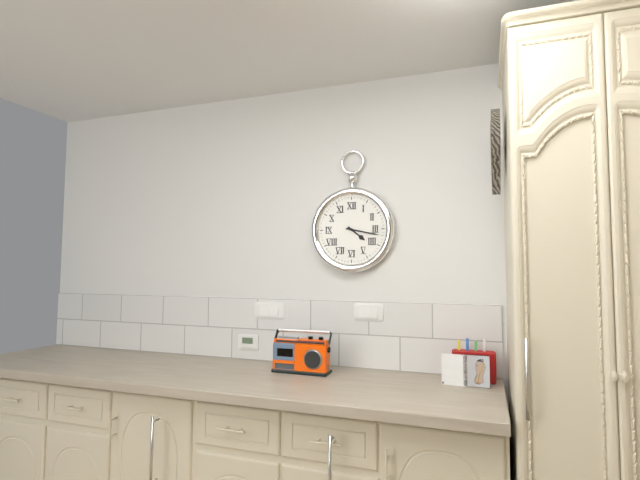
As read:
h=4 m=17
